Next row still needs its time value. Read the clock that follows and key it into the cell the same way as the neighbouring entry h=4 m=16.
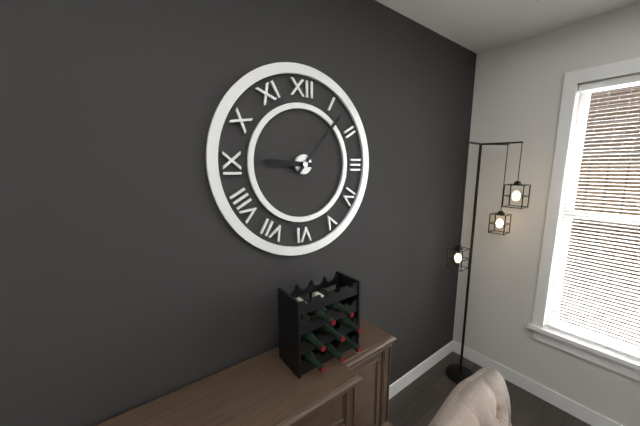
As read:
h=9 m=7
